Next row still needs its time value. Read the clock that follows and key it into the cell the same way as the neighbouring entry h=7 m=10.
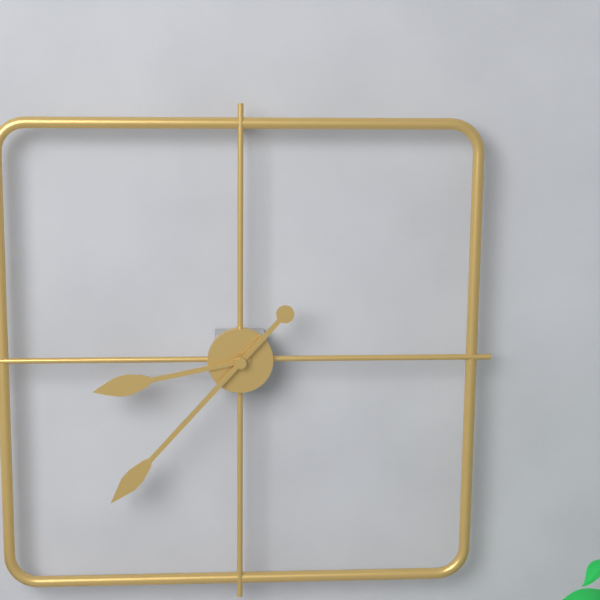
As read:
h=8 m=37
